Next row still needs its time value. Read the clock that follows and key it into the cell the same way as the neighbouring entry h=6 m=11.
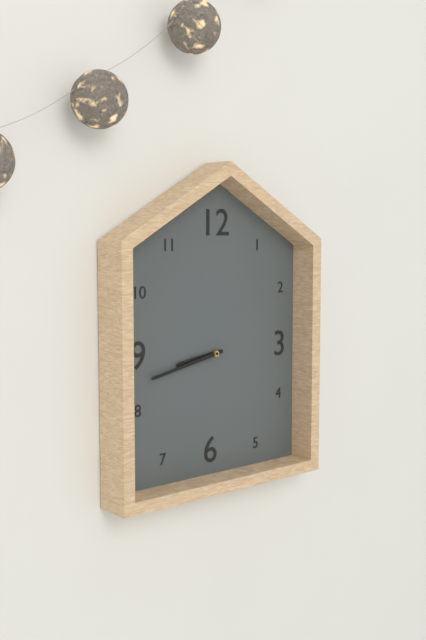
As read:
h=8 m=43
